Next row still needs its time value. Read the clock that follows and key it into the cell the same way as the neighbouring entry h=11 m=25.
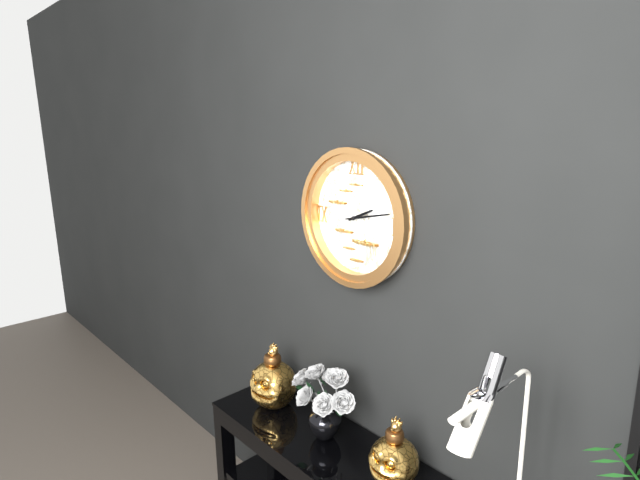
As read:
h=2 m=13
